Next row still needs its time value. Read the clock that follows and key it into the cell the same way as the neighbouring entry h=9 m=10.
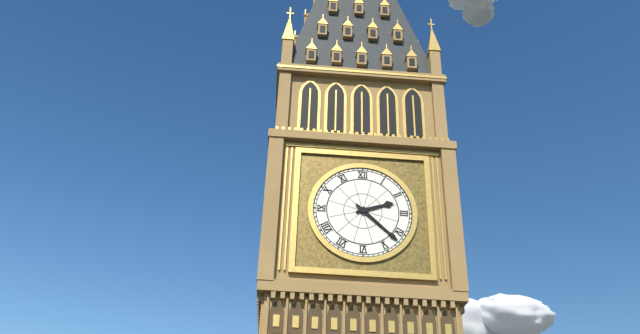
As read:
h=2 m=22
